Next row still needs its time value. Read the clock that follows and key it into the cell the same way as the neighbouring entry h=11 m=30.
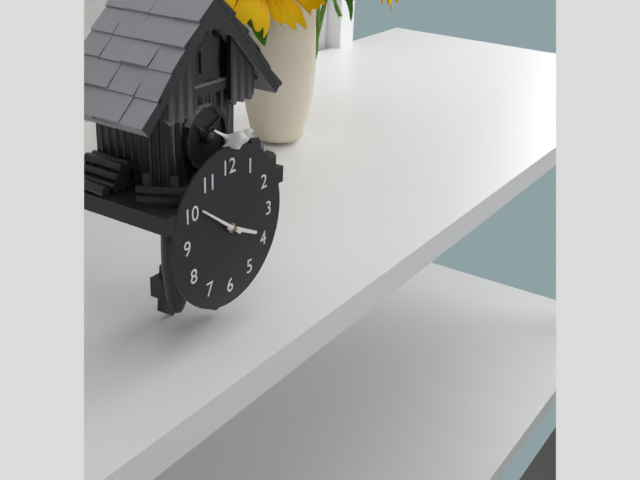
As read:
h=3 m=51
